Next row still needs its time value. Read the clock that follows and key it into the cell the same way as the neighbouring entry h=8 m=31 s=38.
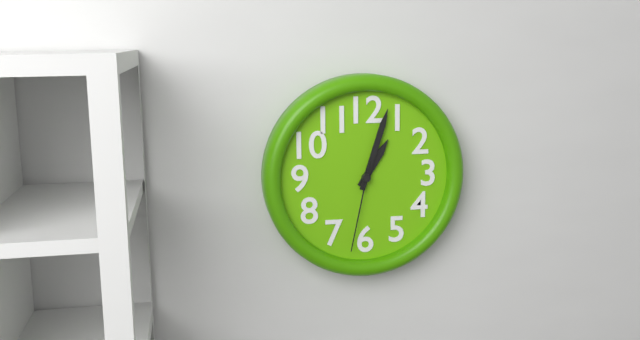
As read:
h=1 m=3 s=32
